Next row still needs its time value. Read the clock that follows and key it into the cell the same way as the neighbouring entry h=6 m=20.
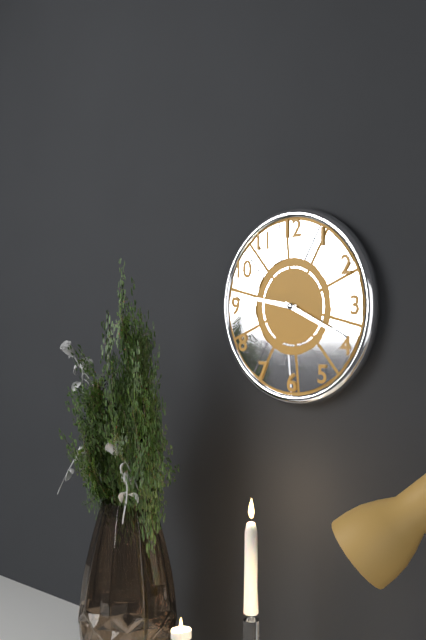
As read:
h=9 m=19
